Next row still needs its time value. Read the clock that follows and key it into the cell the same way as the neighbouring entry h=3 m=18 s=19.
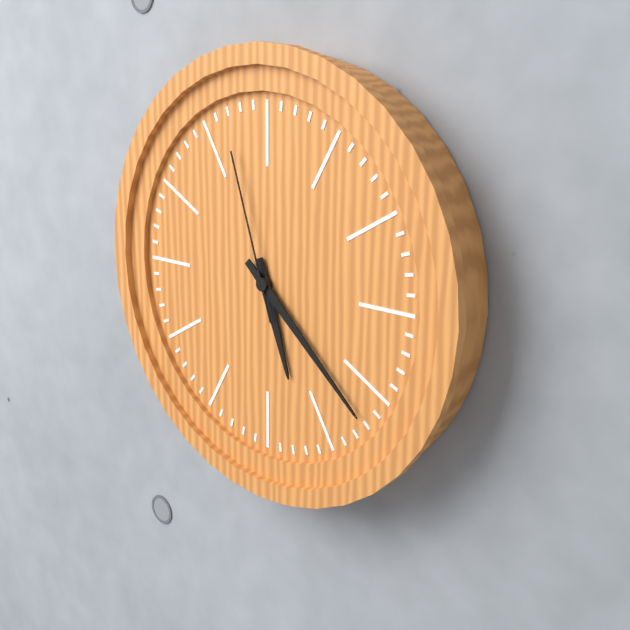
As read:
h=5 m=22 s=57
